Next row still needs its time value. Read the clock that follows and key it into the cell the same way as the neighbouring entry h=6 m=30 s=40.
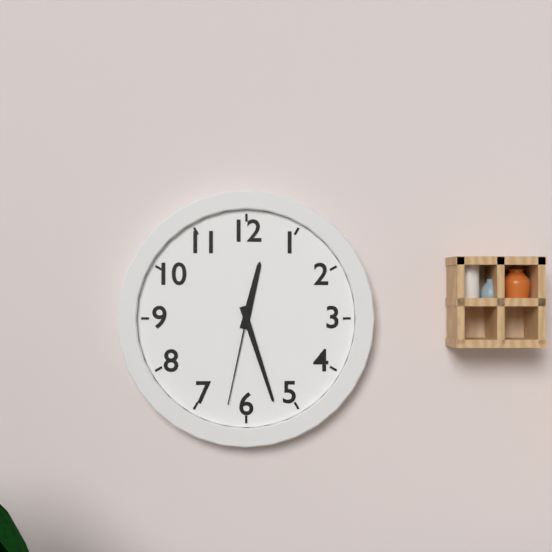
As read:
h=12 m=27 s=32
